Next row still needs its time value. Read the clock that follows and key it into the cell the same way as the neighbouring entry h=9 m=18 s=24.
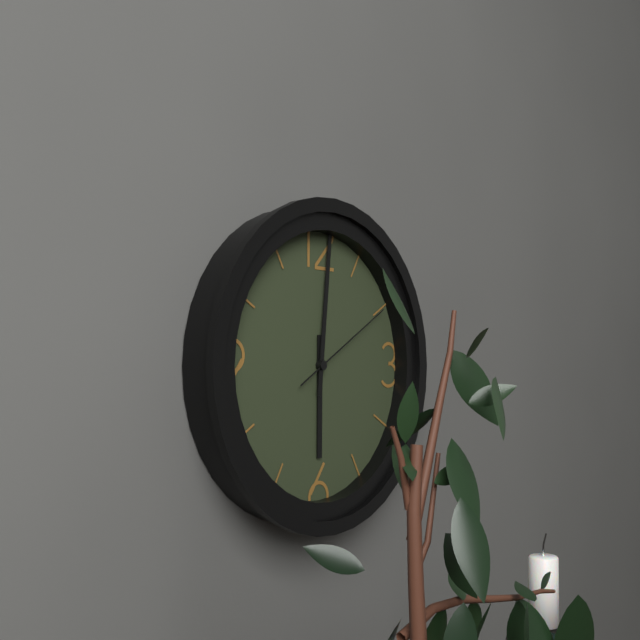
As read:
h=6 m=1 s=10
